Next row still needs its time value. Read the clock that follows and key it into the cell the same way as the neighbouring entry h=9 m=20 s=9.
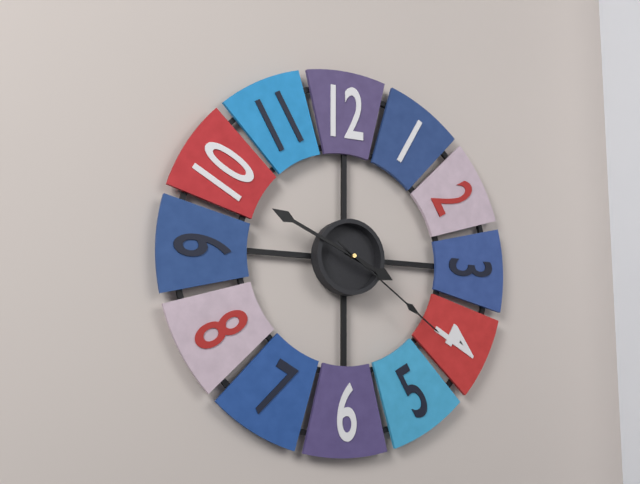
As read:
h=3 m=49 s=21
